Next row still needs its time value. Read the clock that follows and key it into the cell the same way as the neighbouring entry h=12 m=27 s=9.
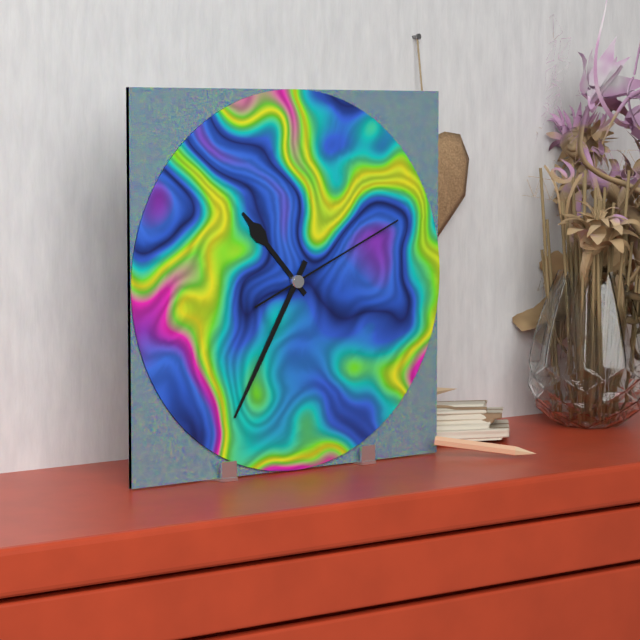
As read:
h=10 m=35 s=11
